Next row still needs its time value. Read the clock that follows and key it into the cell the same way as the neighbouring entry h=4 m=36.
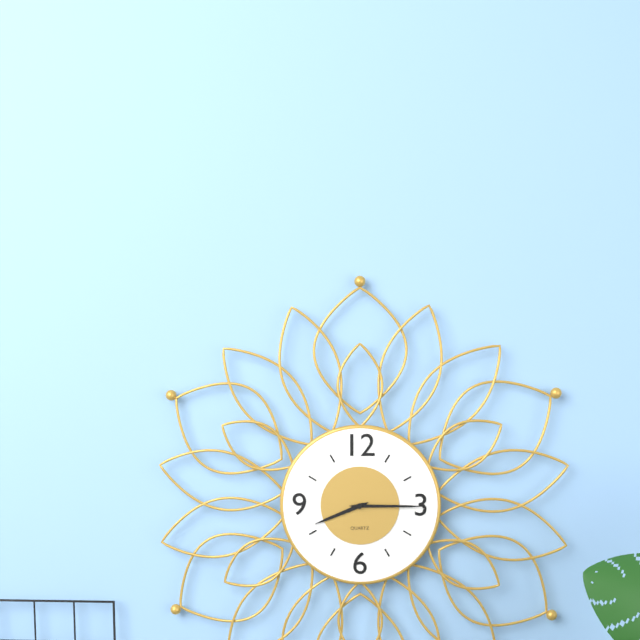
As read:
h=8 m=15
